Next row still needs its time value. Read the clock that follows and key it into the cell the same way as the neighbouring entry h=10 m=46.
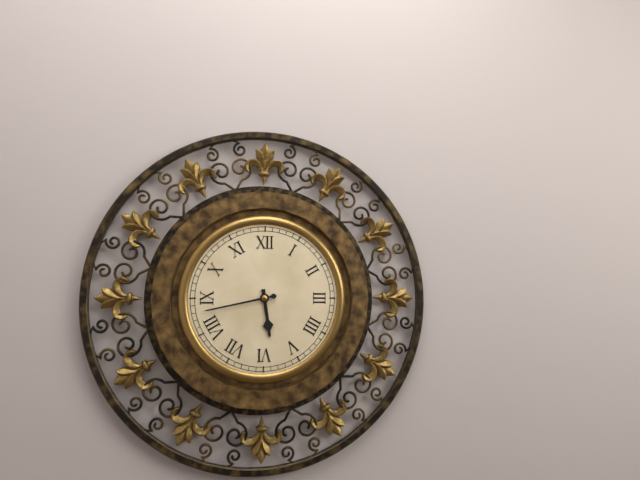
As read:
h=5 m=43
